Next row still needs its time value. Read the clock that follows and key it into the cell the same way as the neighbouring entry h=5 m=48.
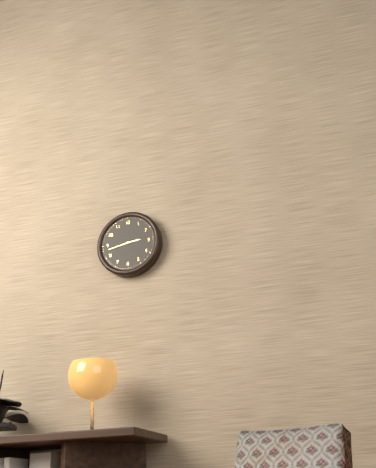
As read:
h=2 m=43
